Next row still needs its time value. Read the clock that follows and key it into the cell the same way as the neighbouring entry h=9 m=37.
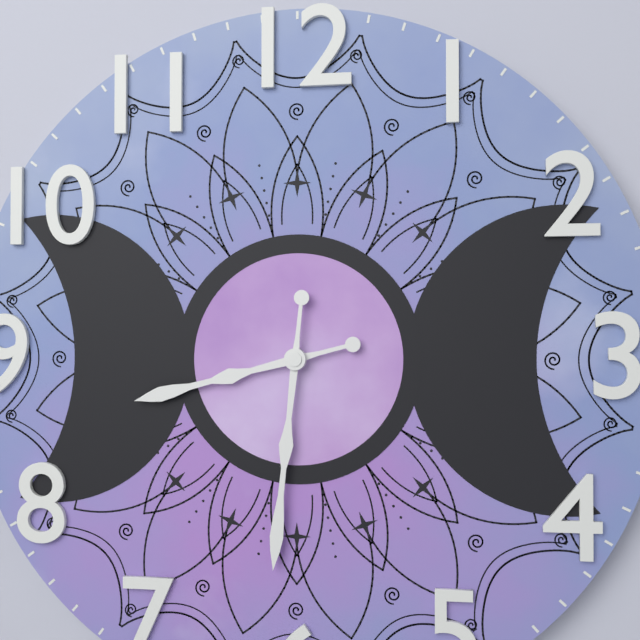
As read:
h=8 m=31
